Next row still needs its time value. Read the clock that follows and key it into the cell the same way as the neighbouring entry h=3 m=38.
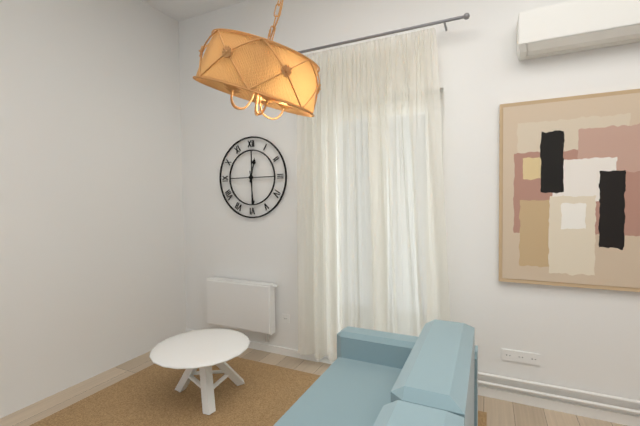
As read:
h=12 m=29
